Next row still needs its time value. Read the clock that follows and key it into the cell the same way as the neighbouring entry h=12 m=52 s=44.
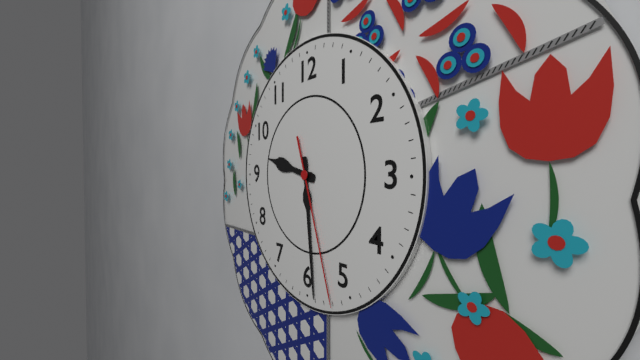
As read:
h=9 m=29 s=27
